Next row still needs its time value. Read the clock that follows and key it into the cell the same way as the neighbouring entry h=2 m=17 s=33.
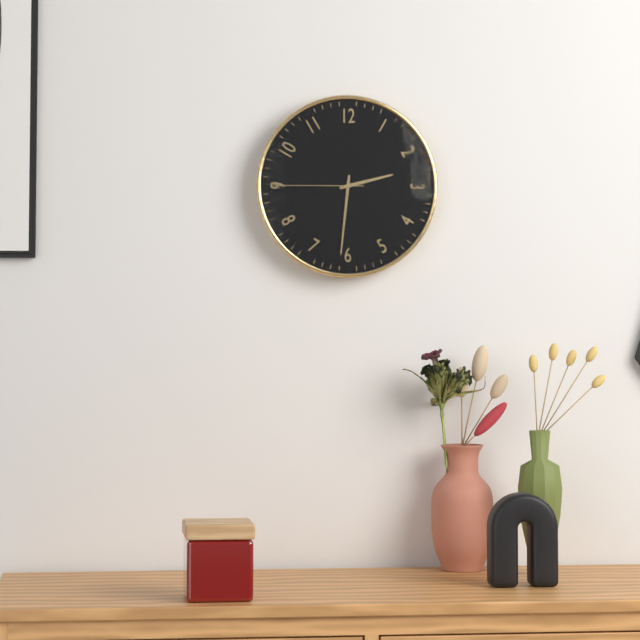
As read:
h=2 m=31 s=45
